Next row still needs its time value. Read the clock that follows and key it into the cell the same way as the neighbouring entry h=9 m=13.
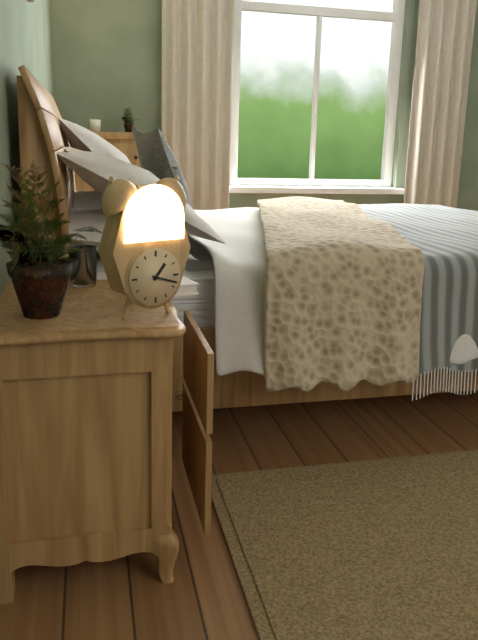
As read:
h=1 m=18
